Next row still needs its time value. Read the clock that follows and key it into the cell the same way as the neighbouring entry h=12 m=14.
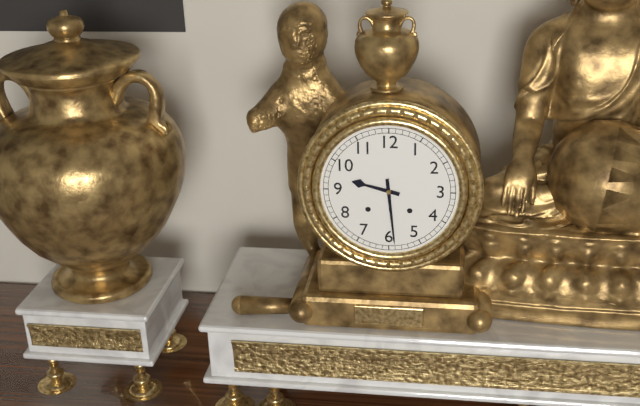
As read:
h=9 m=29
